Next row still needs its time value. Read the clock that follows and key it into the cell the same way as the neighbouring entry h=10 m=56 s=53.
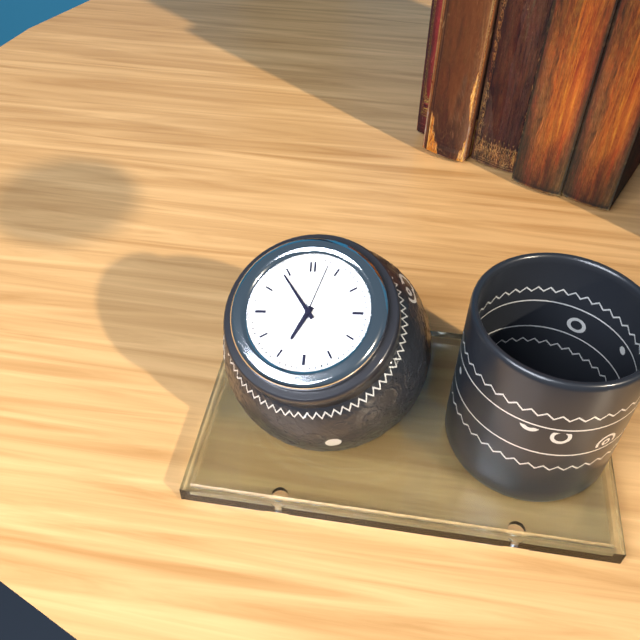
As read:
h=6 m=54 s=3
